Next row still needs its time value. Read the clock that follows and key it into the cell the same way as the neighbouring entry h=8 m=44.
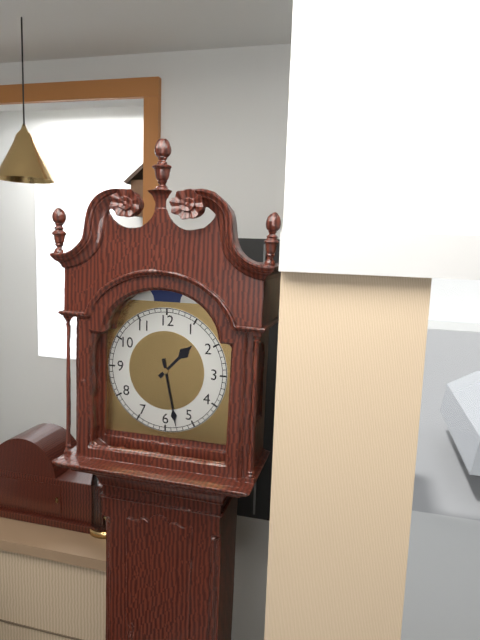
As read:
h=1 m=28
